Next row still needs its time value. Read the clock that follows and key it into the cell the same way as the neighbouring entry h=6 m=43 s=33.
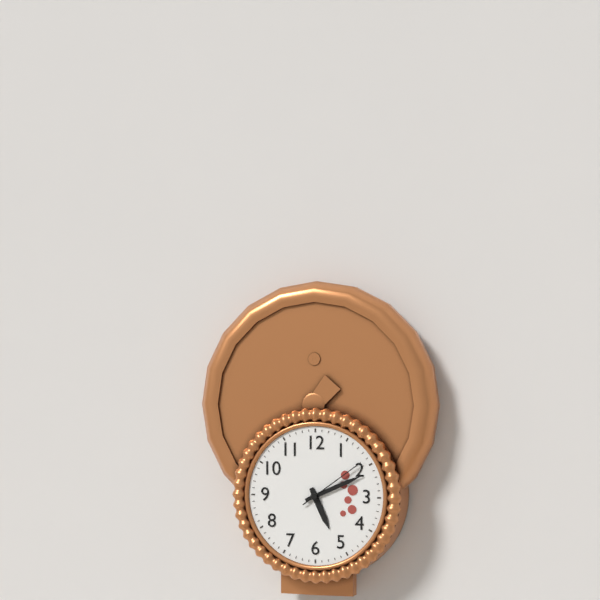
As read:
h=5 m=11 s=9
